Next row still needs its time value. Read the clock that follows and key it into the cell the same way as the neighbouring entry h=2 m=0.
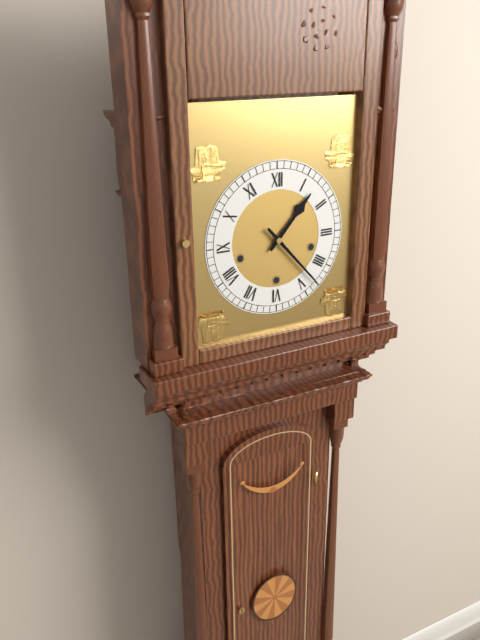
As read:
h=1 m=23
